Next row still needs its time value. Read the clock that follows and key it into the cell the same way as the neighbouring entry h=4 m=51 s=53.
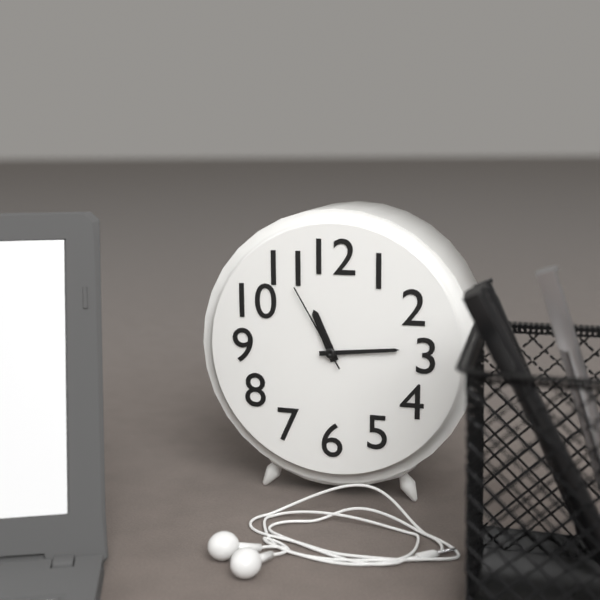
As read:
h=11 m=14 s=55
